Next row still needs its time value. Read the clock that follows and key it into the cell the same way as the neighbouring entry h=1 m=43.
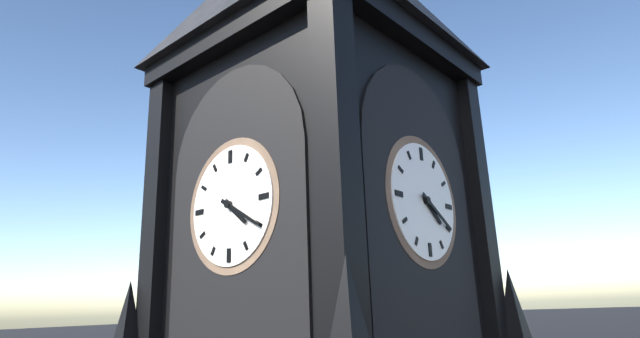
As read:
h=4 m=20
